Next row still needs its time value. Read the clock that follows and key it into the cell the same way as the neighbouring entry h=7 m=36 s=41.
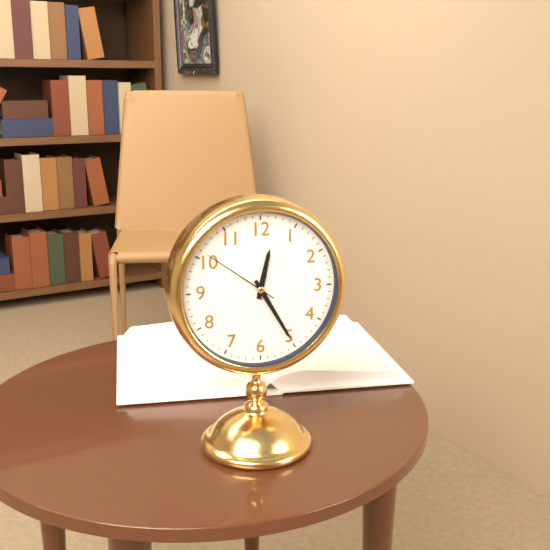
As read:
h=12 m=25 s=51
